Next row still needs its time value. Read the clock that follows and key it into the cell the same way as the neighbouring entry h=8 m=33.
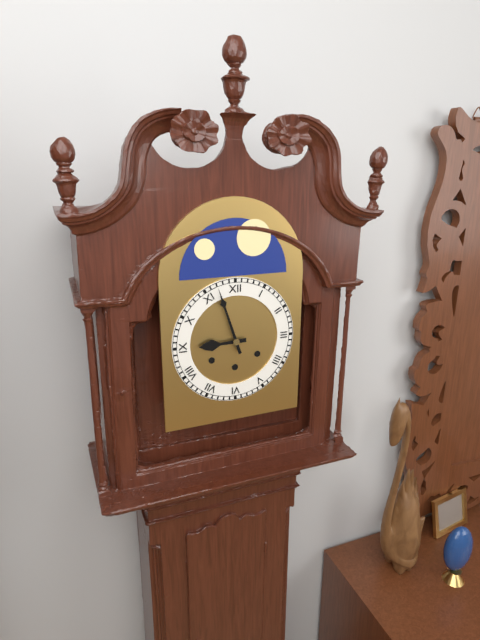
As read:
h=8 m=57
